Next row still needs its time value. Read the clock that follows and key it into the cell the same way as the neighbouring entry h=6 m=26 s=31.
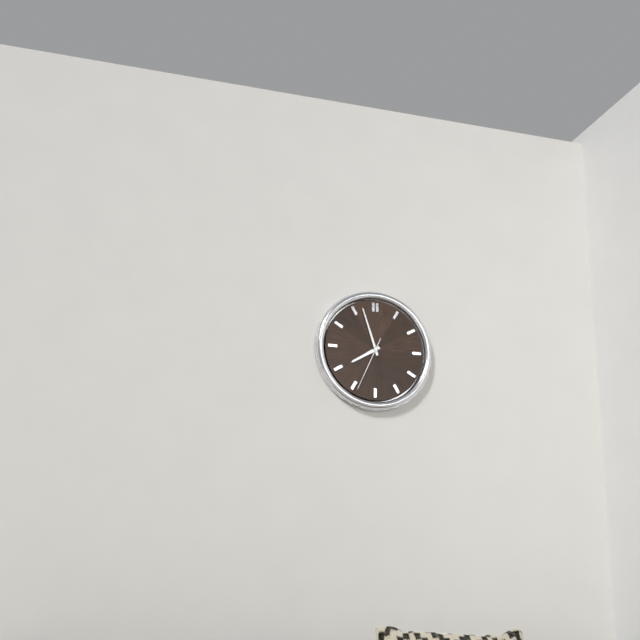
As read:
h=7 m=57 s=34
